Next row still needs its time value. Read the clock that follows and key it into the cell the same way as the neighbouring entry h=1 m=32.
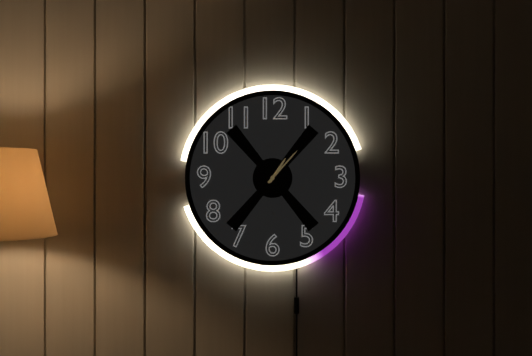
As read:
h=1 m=7
